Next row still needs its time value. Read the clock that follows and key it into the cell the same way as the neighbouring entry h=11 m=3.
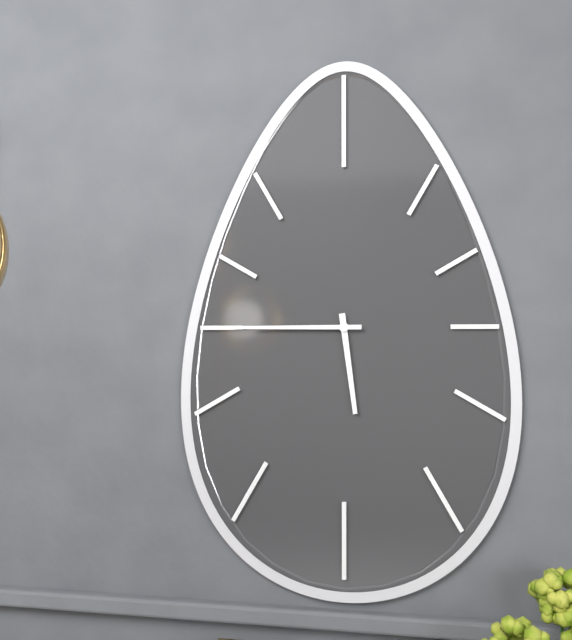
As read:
h=5 m=45
